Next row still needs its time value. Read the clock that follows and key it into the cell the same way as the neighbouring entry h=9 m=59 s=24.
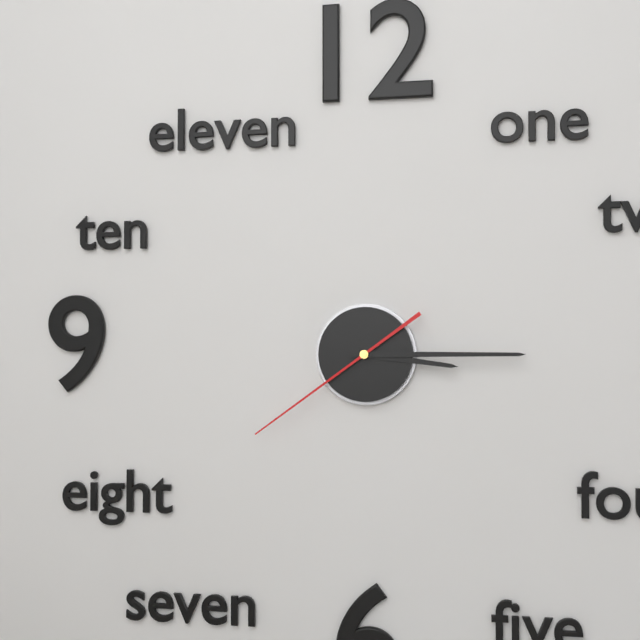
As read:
h=3 m=15 s=39
